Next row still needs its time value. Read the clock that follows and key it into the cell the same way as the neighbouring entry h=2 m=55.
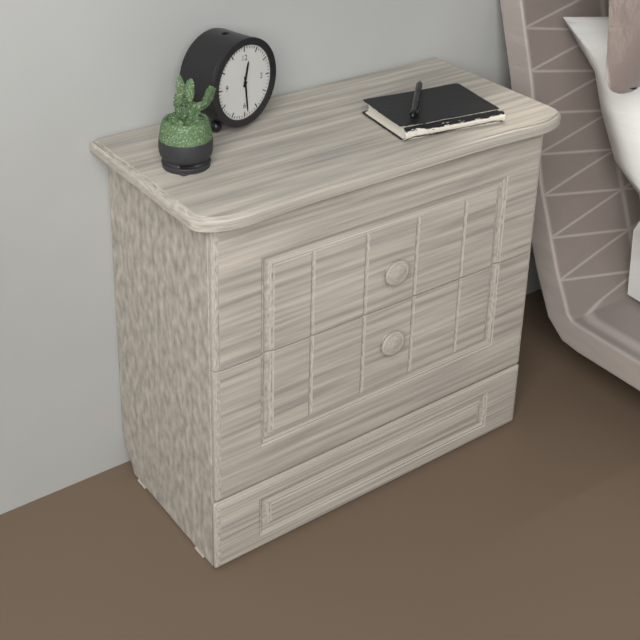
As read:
h=12 m=29
